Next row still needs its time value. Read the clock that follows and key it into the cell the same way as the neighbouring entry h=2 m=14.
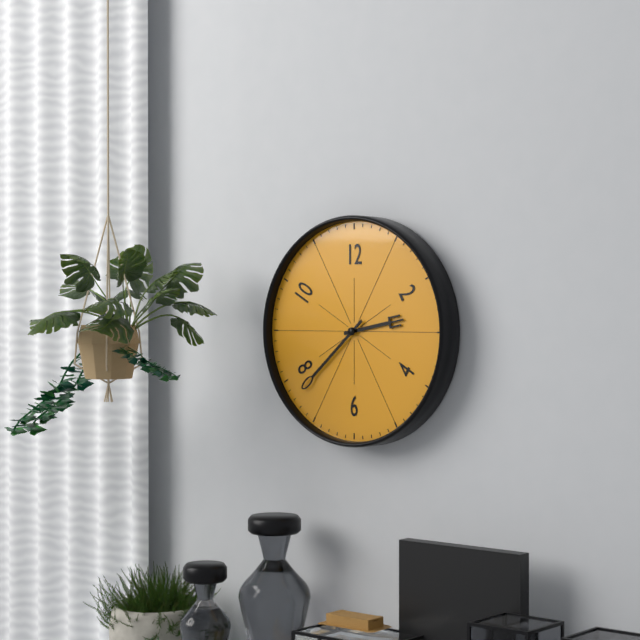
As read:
h=2 m=38
